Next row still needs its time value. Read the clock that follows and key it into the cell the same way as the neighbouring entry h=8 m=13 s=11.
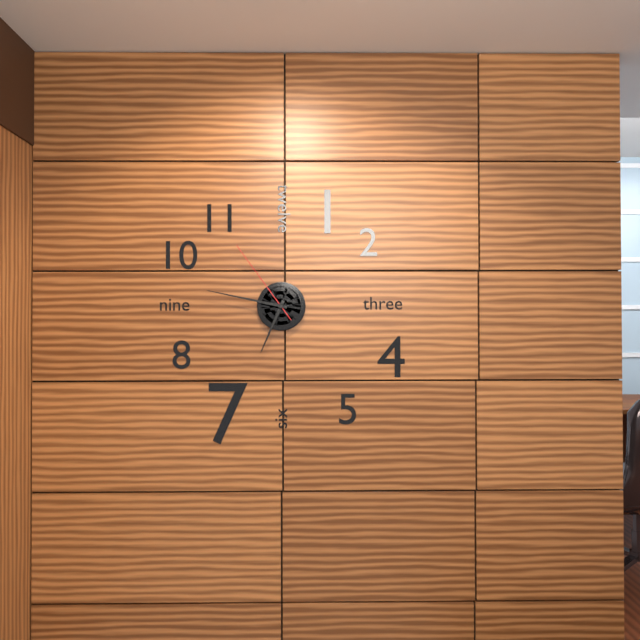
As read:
h=6 m=47 s=54
